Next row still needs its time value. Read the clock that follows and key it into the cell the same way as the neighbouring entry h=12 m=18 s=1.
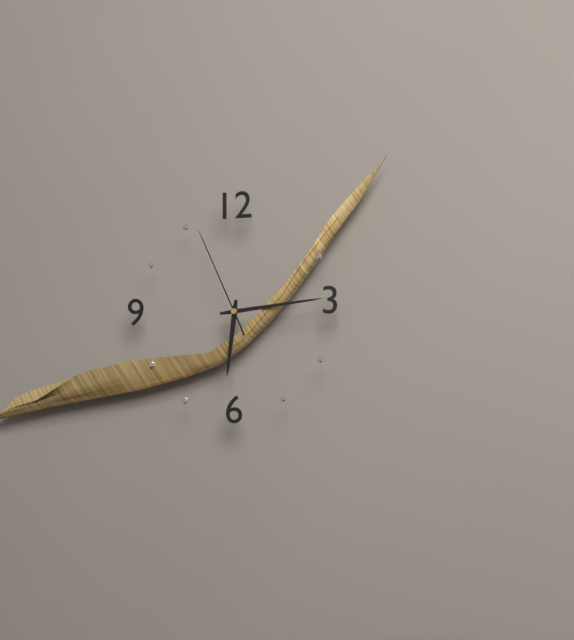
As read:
h=6 m=14 s=56
